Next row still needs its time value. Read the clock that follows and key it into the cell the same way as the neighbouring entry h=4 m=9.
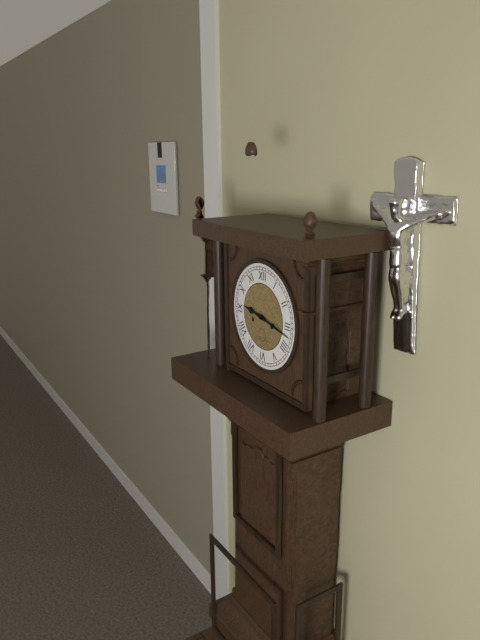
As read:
h=9 m=17
